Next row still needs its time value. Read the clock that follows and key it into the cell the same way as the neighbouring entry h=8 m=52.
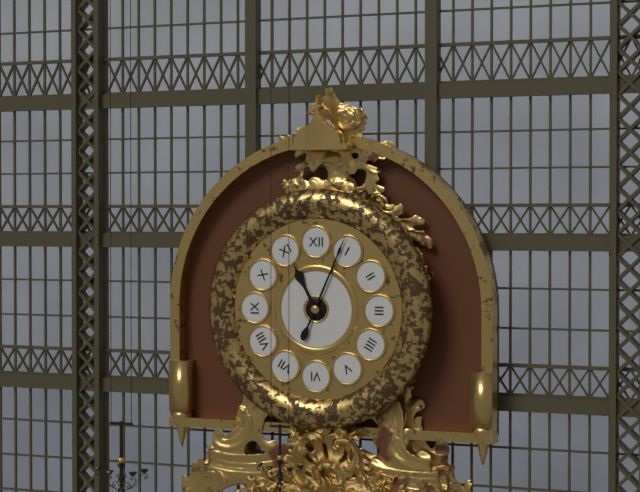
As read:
h=11 m=4
